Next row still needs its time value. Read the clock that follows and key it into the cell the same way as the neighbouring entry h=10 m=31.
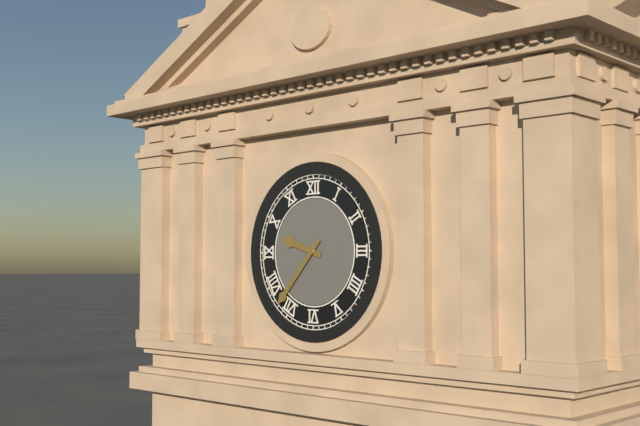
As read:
h=9 m=37
